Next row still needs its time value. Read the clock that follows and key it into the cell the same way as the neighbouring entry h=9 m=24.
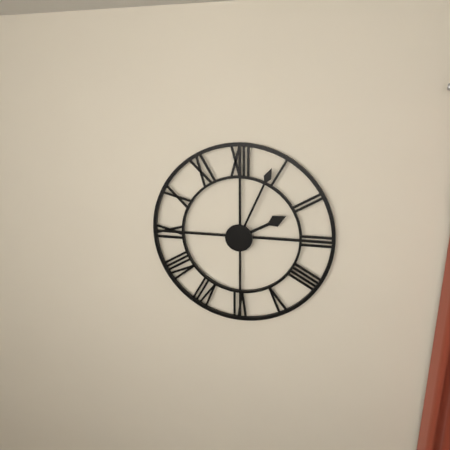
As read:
h=2 m=4
